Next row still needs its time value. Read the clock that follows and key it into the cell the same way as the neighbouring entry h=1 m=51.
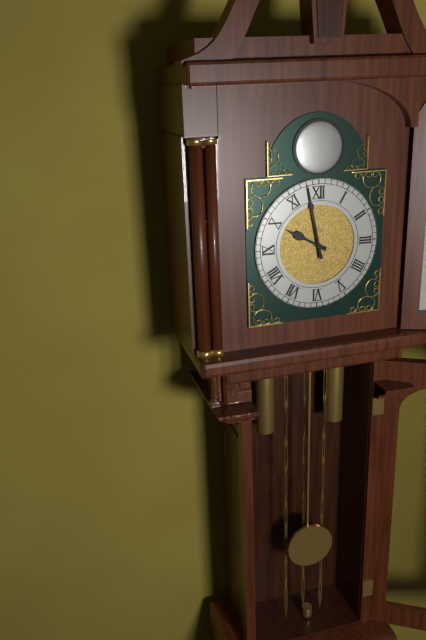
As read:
h=9 m=58
